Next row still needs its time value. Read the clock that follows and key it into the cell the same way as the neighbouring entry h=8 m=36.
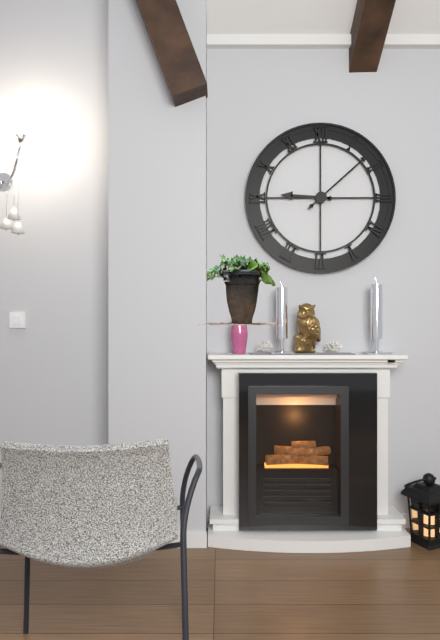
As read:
h=9 m=8
